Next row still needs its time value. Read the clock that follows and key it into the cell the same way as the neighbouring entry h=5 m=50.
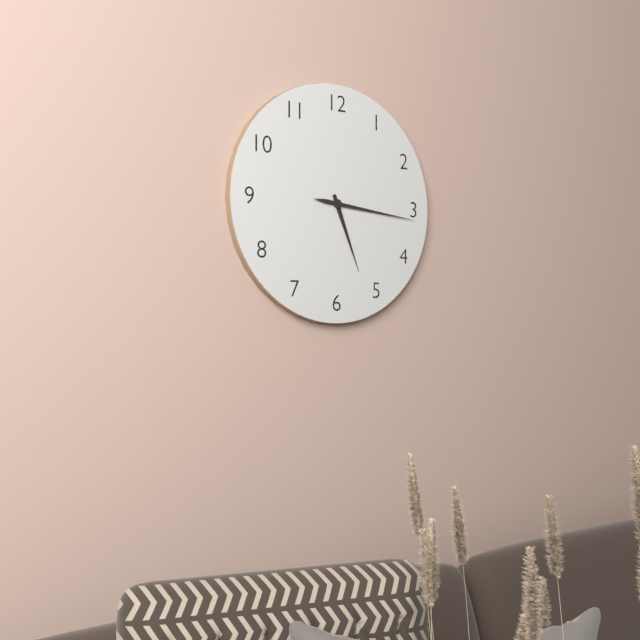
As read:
h=5 m=16
